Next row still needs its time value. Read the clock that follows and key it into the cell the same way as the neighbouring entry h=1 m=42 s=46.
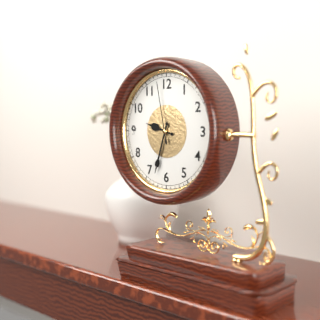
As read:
h=9 m=33 s=58
